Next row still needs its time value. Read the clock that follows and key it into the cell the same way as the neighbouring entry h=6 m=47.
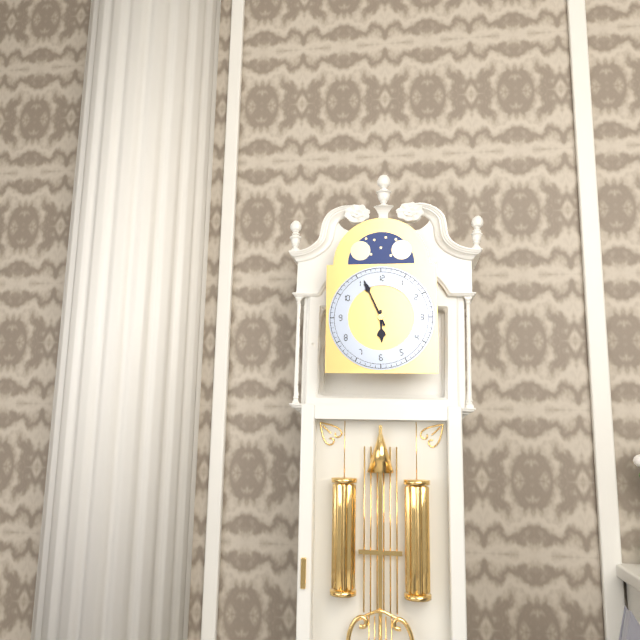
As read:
h=5 m=56
